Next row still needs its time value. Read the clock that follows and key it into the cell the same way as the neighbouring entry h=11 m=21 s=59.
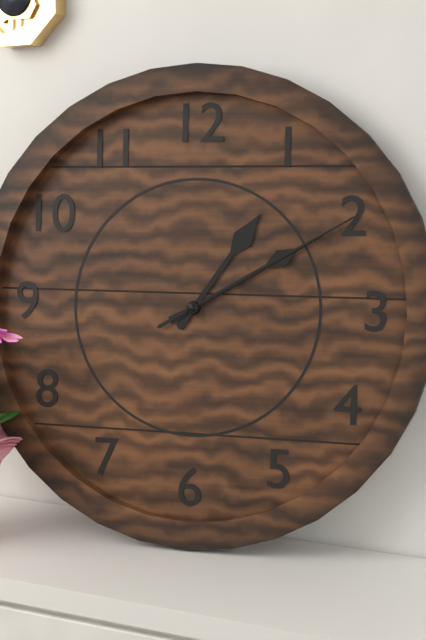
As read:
h=1 m=10 s=10
